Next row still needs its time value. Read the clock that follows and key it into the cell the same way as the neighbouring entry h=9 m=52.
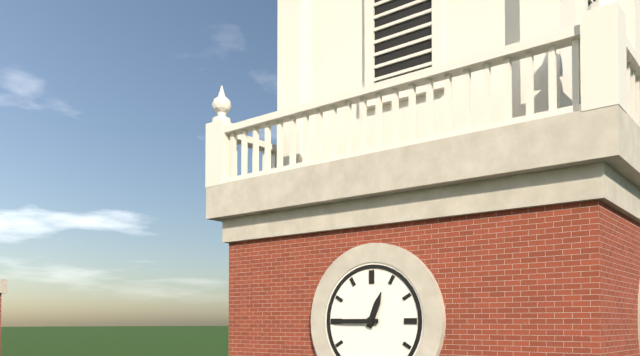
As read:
h=12 m=45
